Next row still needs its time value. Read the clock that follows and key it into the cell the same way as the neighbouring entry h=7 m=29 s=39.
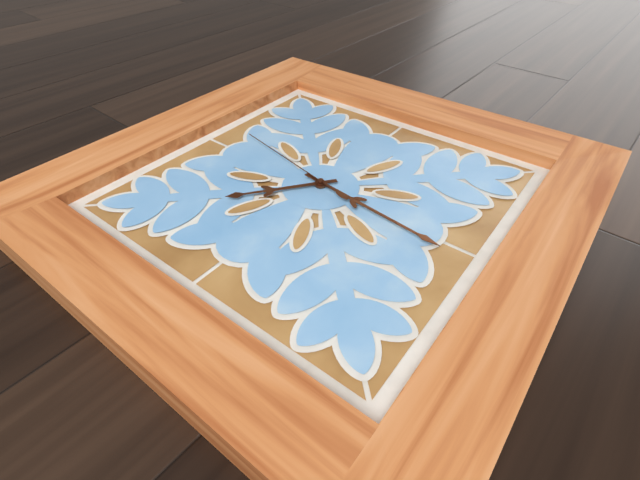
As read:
h=7 m=16 s=47
